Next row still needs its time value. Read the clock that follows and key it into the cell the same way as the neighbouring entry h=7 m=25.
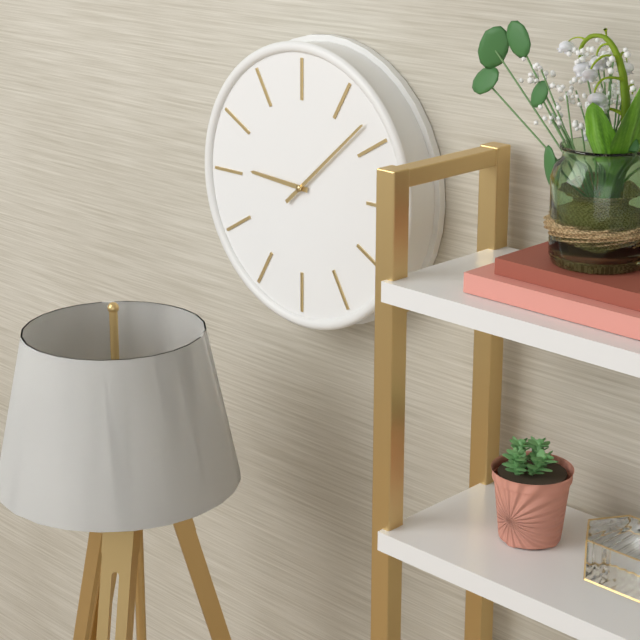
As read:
h=9 m=8
